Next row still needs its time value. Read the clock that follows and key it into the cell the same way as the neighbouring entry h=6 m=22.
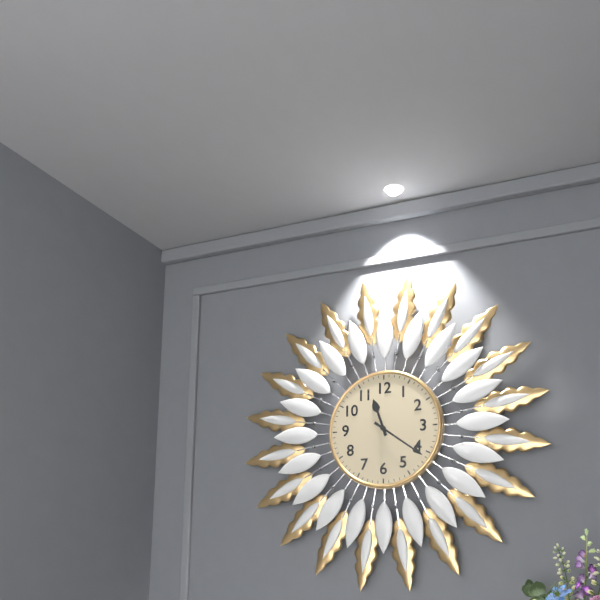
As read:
h=11 m=21
